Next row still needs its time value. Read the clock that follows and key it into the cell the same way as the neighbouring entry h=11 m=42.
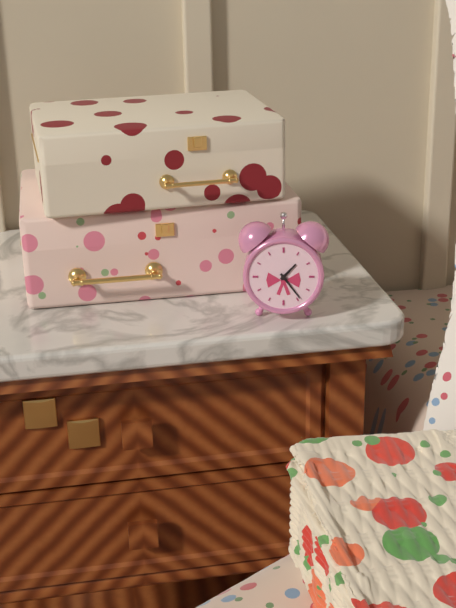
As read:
h=1 m=24
